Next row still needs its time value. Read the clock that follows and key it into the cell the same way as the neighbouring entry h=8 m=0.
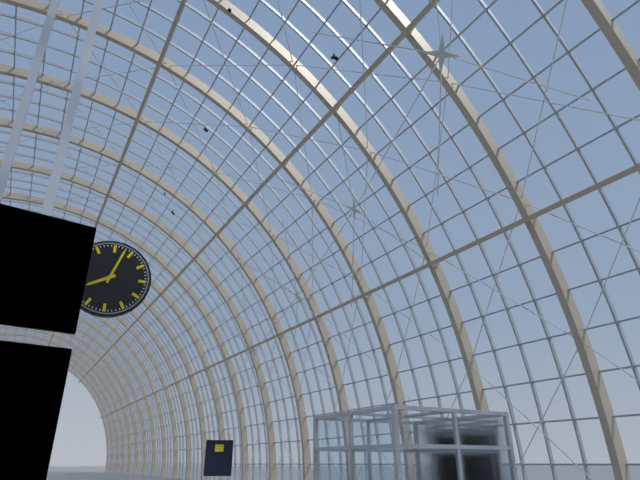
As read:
h=8 m=3
